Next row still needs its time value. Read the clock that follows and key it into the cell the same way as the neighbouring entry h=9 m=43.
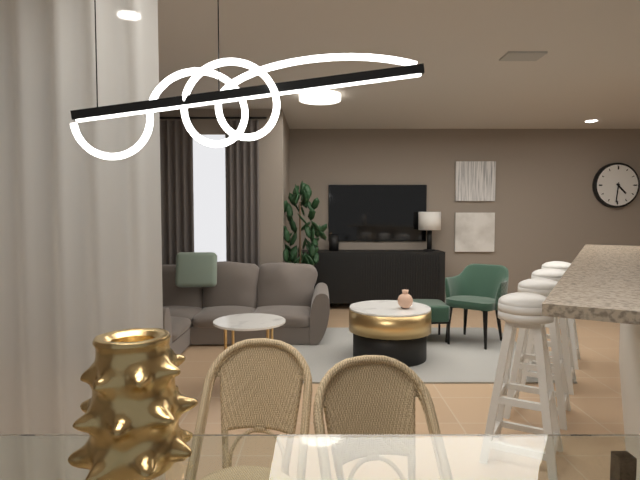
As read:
h=4 m=31
